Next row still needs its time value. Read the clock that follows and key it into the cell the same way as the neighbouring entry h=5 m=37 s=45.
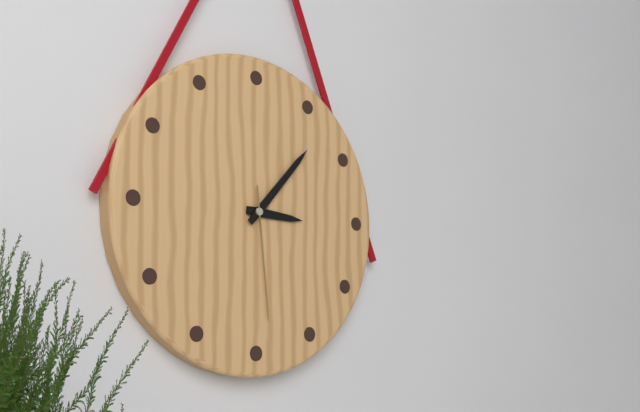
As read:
h=3 m=7 s=29
